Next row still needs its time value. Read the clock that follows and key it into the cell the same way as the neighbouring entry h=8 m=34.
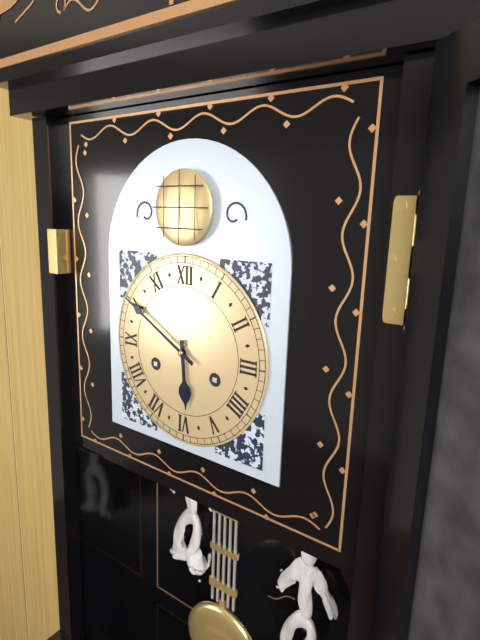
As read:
h=5 m=50
